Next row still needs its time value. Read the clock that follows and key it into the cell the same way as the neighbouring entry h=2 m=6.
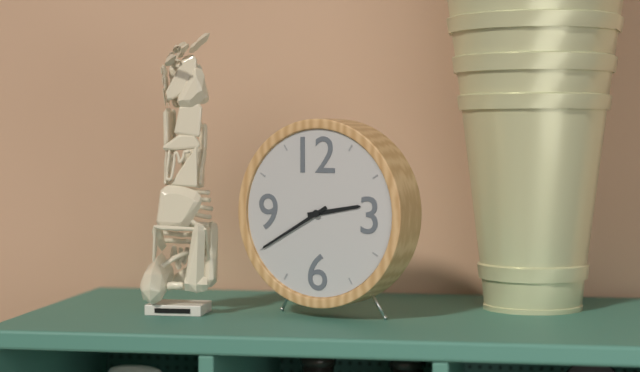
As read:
h=2 m=40
